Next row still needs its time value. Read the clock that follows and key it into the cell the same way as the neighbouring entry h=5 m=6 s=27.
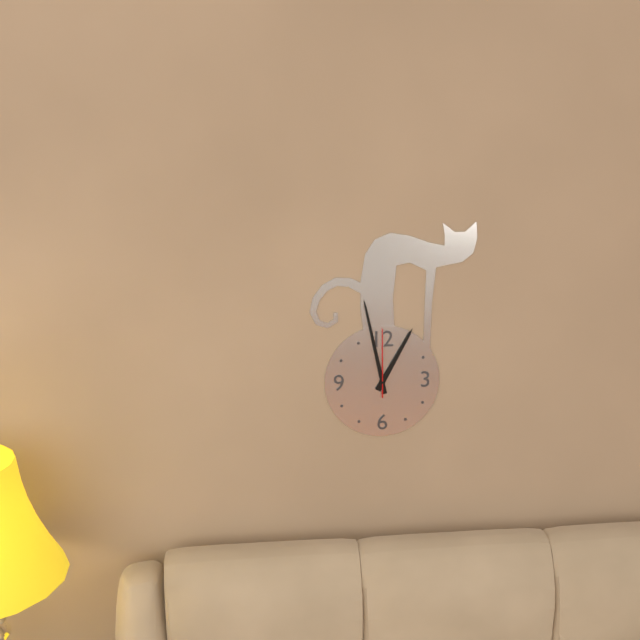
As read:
h=12 m=58 s=0
